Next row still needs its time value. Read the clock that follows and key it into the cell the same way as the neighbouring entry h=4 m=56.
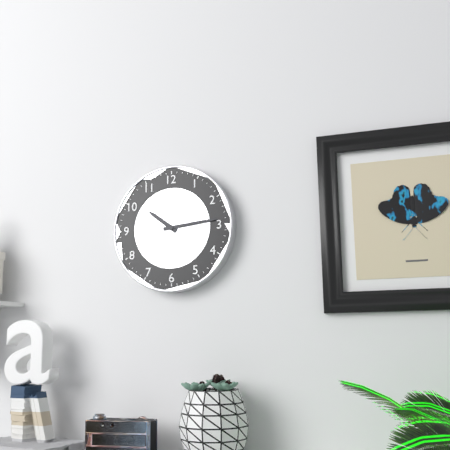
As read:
h=10 m=14
